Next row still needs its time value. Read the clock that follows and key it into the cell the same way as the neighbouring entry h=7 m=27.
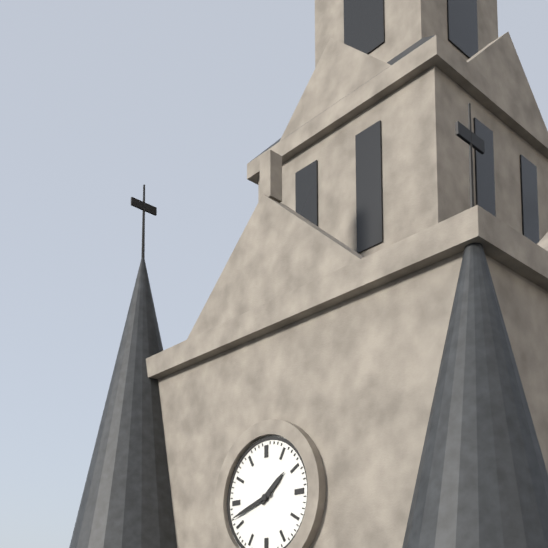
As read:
h=1 m=42
